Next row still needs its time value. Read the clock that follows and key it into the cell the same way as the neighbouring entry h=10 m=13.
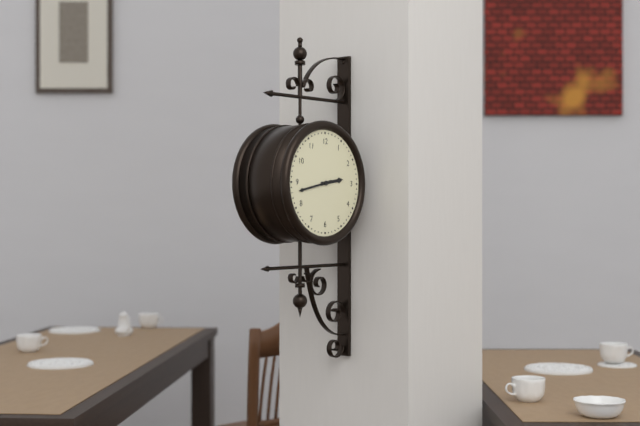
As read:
h=2 m=43
